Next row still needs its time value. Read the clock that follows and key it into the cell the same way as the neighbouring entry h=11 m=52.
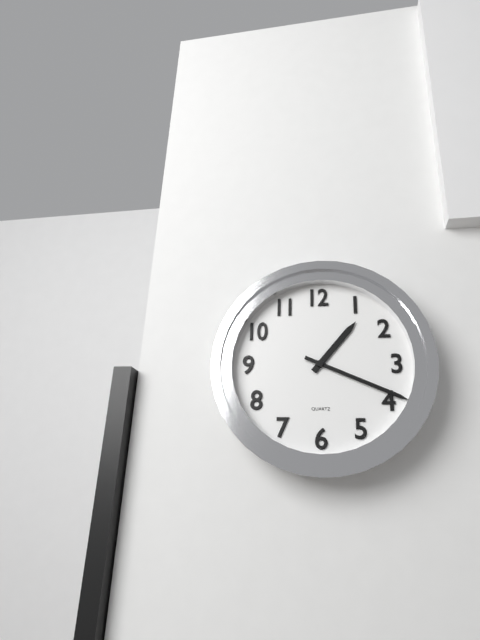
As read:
h=1 m=19
